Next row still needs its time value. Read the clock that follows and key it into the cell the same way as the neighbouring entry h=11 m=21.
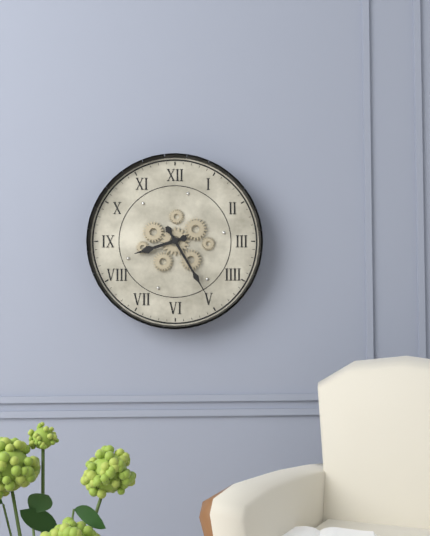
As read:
h=8 m=25
